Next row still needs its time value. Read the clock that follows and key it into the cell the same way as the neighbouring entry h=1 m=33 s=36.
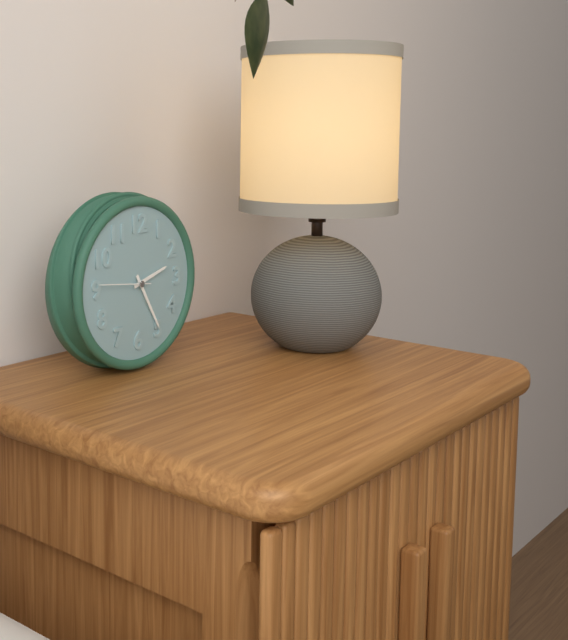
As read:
h=2 m=25 s=46
